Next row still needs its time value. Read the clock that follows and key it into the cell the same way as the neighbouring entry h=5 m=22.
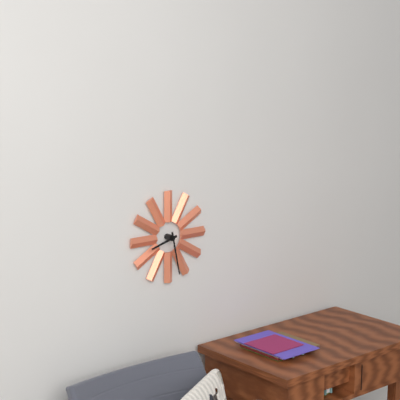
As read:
h=8 m=28
